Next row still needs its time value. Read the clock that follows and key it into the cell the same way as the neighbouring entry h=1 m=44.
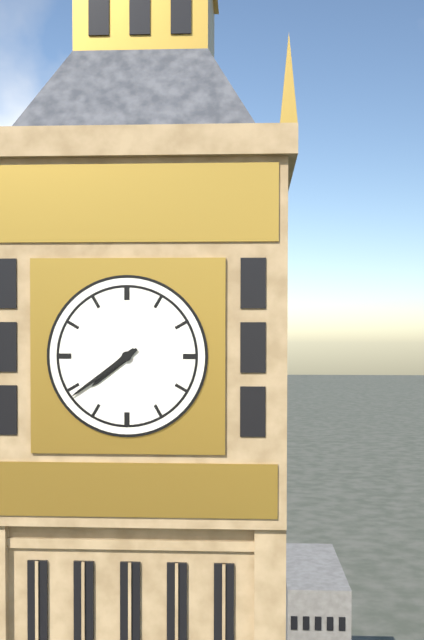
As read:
h=7 m=39
